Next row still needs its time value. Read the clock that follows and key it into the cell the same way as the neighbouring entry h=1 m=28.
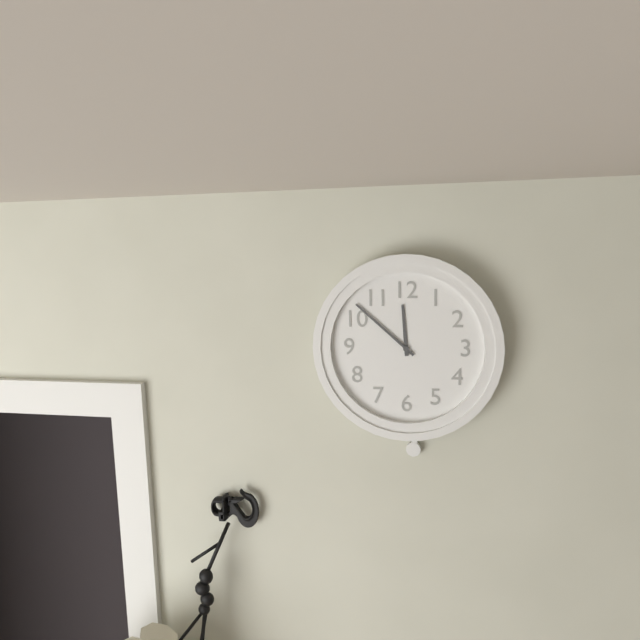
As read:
h=11 m=52
